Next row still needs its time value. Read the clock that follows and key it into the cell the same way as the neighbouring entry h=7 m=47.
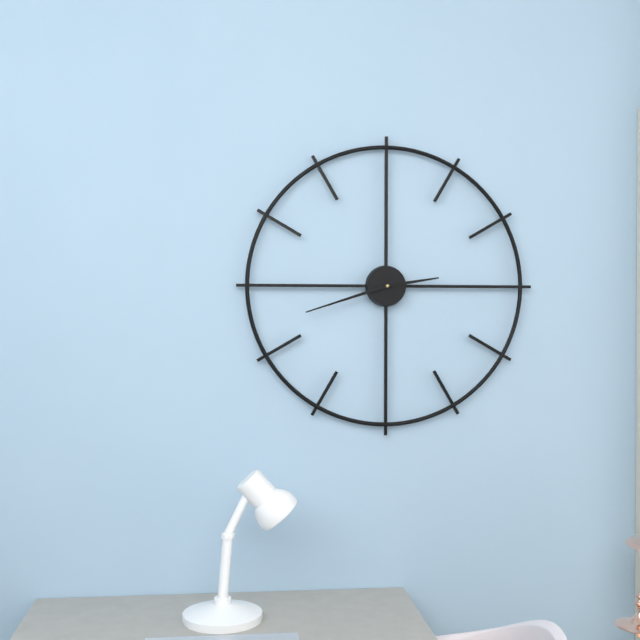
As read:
h=2 m=42
